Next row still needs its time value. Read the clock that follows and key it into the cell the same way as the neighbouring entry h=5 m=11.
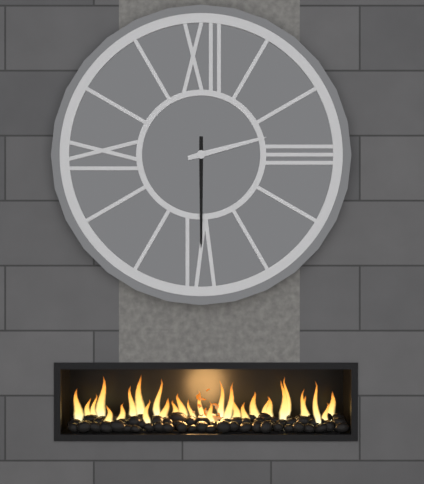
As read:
h=2 m=30
